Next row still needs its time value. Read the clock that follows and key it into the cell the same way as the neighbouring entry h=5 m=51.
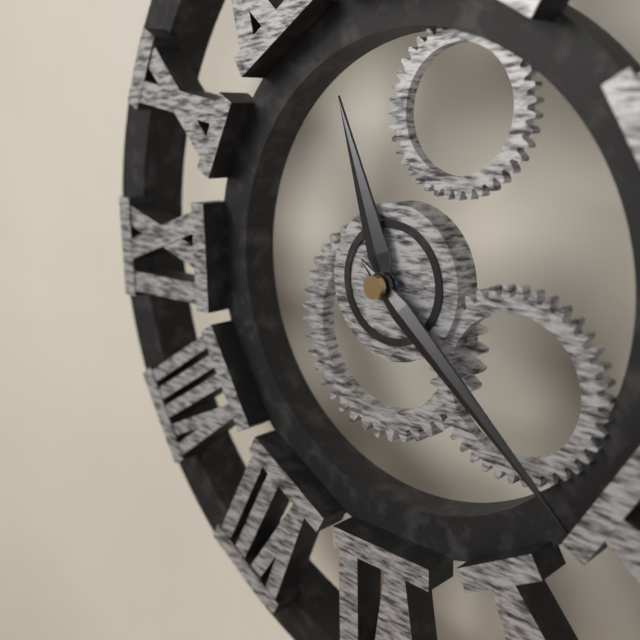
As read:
h=11 m=22
